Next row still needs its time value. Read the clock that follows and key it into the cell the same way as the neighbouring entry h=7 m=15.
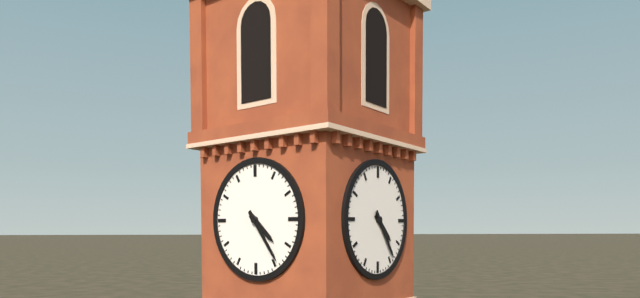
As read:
h=4 m=24
